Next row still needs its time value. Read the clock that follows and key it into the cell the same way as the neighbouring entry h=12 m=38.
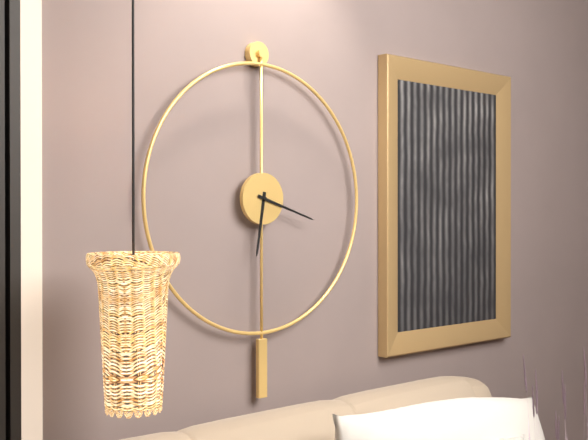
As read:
h=6 m=18
